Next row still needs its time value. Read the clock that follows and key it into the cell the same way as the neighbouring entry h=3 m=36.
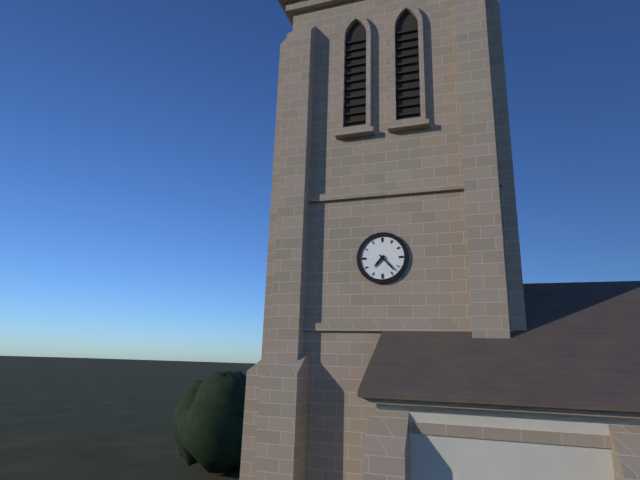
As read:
h=7 m=23
